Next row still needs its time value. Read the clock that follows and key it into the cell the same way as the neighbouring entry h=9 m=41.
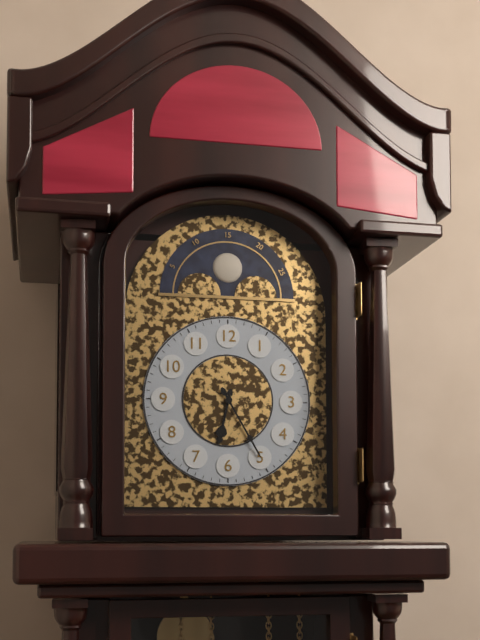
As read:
h=6 m=25
